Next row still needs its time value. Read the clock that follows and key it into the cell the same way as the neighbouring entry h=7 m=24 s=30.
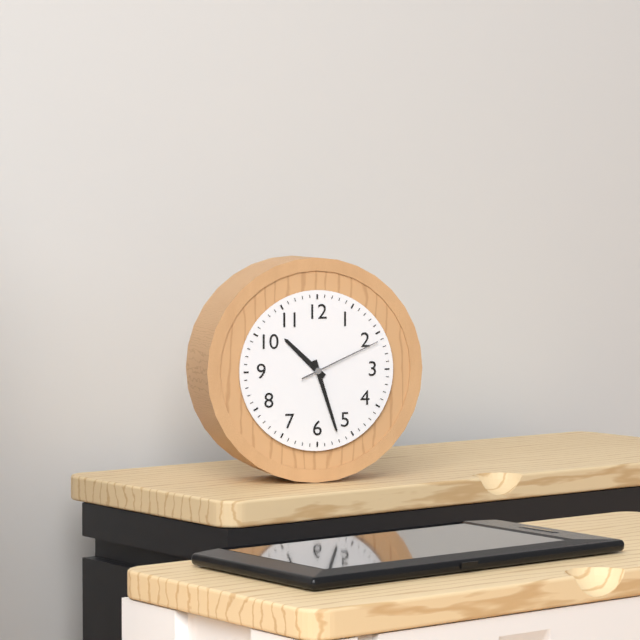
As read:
h=10 m=27 s=11
